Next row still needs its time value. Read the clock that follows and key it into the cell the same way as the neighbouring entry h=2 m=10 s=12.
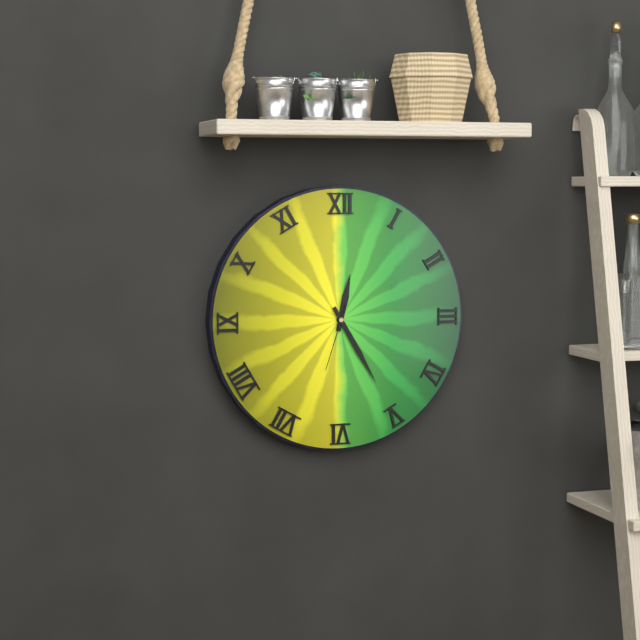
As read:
h=12 m=25 s=33
